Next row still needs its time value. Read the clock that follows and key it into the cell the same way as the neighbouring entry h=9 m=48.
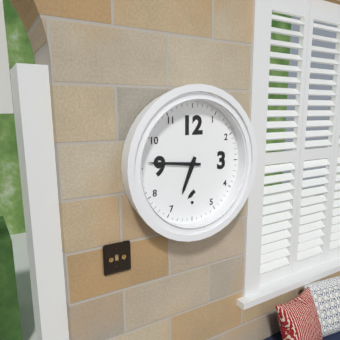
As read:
h=6 m=46
